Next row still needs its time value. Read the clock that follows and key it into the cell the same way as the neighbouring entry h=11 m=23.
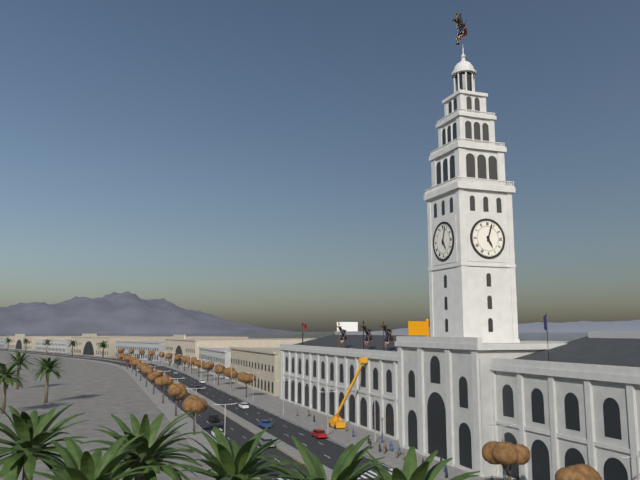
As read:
h=5 m=3
